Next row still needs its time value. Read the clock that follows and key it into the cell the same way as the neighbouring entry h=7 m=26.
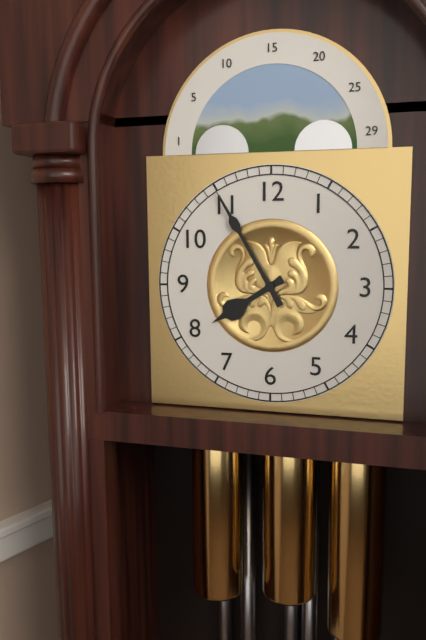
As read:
h=7 m=55
